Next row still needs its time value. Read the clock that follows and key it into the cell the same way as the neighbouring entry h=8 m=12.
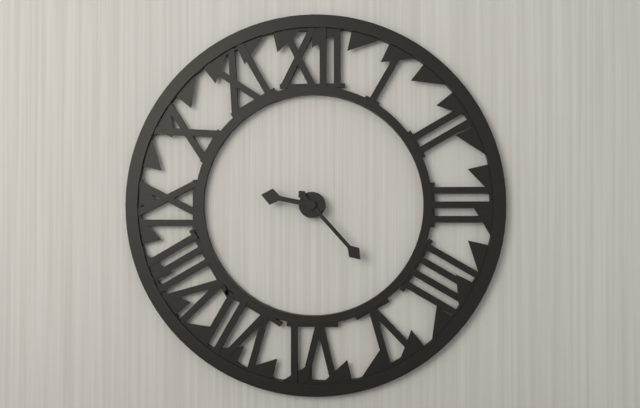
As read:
h=9 m=23
